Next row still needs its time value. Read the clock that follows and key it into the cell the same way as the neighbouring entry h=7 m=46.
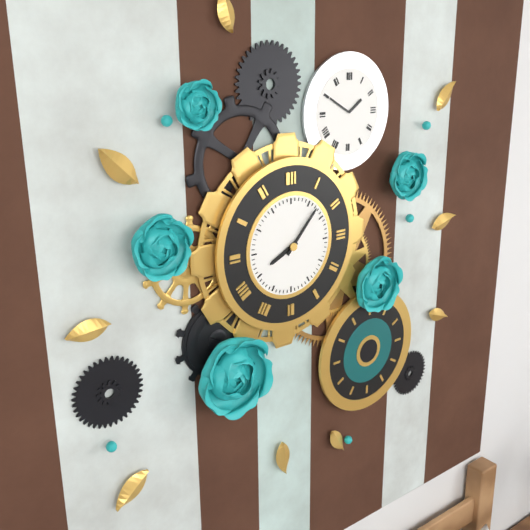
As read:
h=8 m=7
